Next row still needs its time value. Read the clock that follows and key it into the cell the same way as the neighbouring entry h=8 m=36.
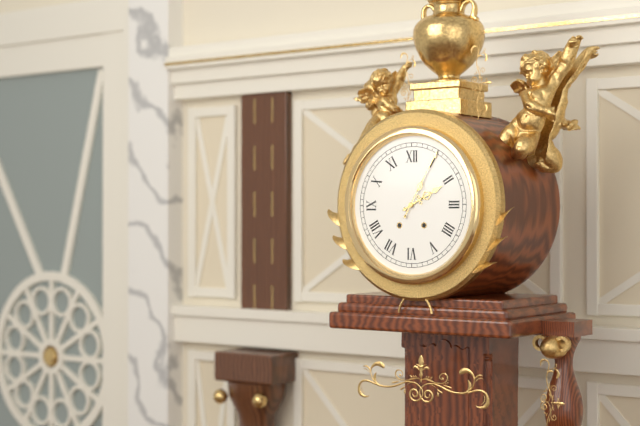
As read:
h=2 m=5
